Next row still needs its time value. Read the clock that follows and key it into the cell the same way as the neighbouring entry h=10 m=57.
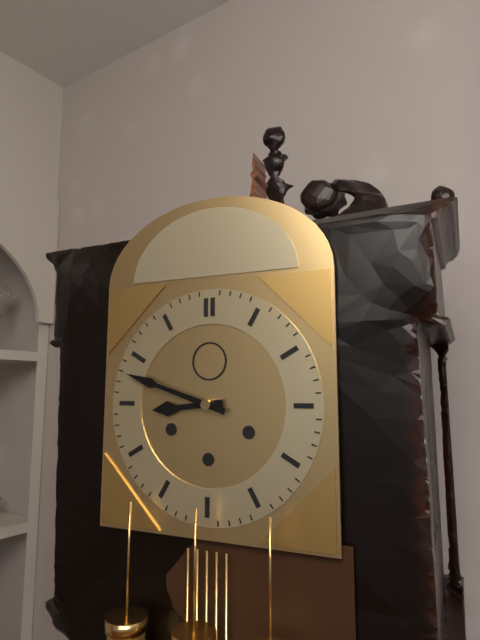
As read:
h=8 m=48
